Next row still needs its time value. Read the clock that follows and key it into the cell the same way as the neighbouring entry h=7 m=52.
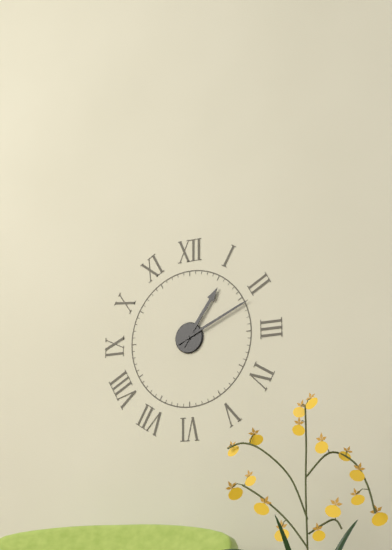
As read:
h=1 m=11
